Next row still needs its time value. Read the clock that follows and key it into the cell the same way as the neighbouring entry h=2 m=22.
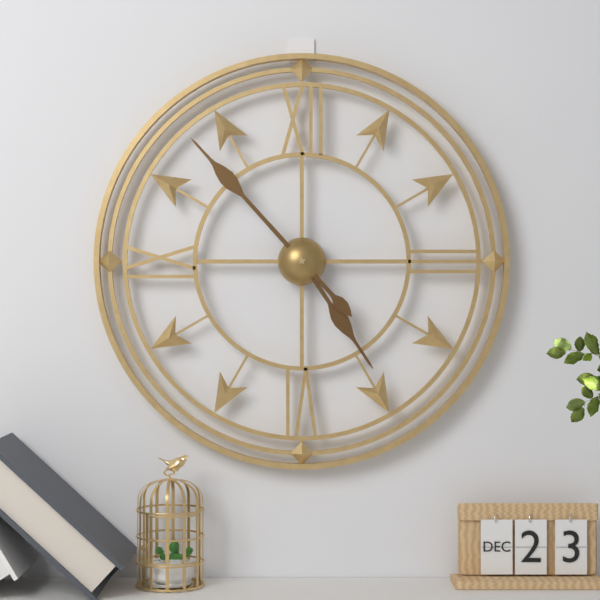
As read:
h=4 m=53
